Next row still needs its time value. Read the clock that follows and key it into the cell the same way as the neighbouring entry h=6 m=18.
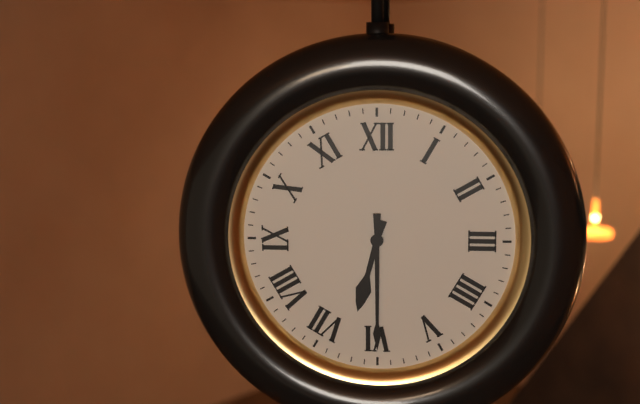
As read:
h=6 m=30
